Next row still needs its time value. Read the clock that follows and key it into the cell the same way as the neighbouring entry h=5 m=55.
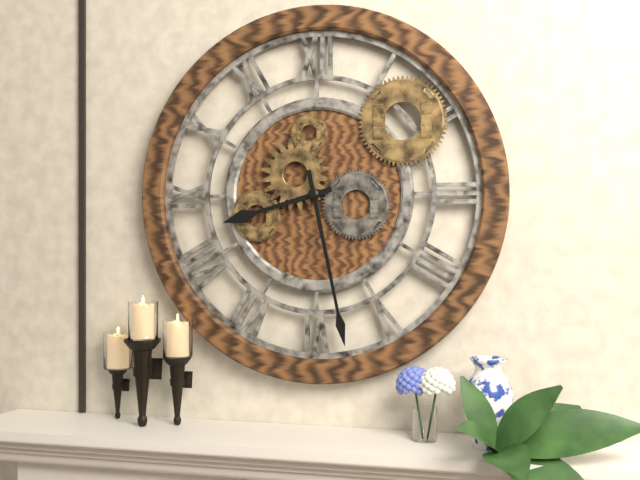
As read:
h=8 m=28
